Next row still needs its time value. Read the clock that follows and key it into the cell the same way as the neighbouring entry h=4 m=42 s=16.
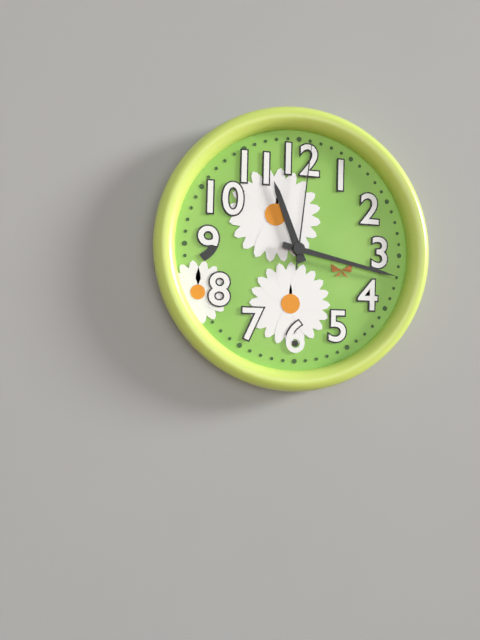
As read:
h=11 m=17 s=1
